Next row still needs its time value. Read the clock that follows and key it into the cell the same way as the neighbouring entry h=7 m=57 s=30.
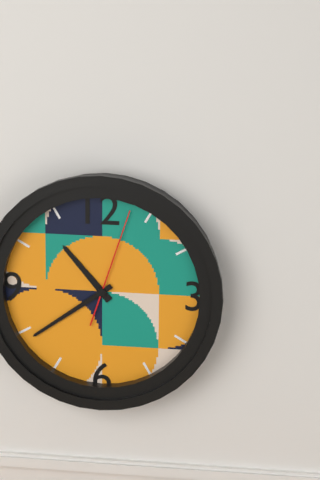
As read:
h=10 m=39 s=3
